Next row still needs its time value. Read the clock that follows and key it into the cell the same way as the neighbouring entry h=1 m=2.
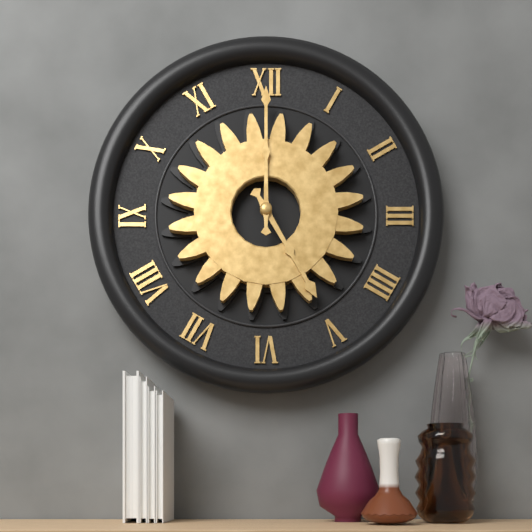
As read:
h=5 m=0
